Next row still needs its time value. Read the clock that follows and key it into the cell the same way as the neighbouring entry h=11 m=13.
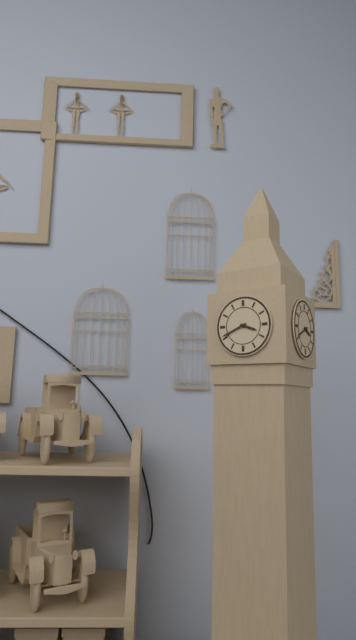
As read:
h=3 m=41
